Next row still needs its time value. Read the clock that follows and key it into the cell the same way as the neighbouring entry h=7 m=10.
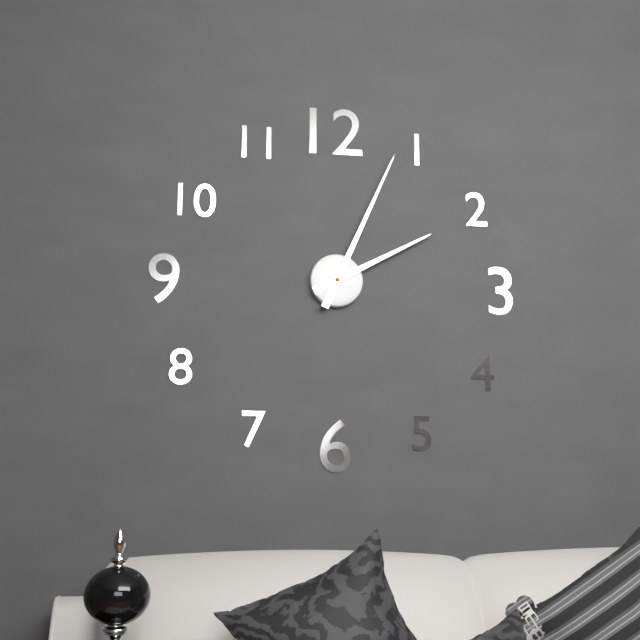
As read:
h=2 m=4
